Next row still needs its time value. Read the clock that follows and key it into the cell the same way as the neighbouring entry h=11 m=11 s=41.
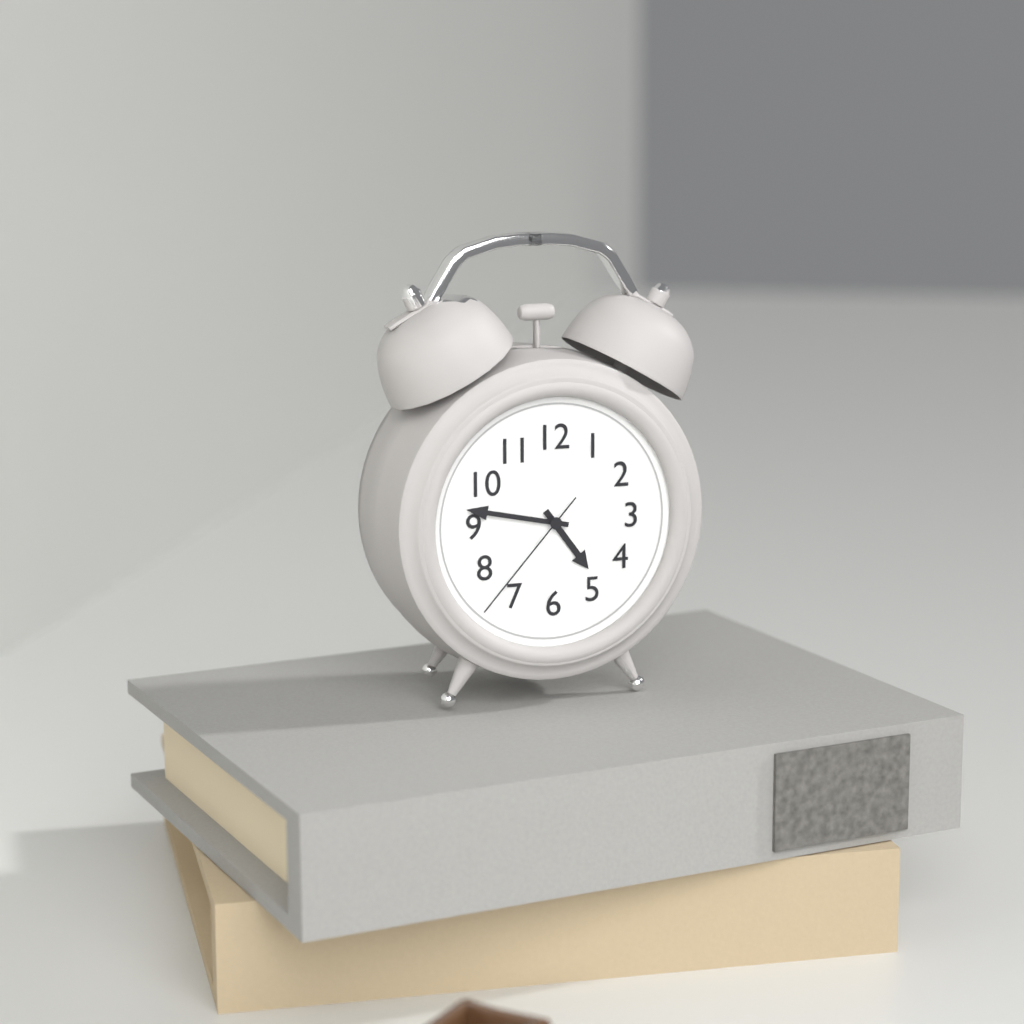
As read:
h=4 m=47 s=37
